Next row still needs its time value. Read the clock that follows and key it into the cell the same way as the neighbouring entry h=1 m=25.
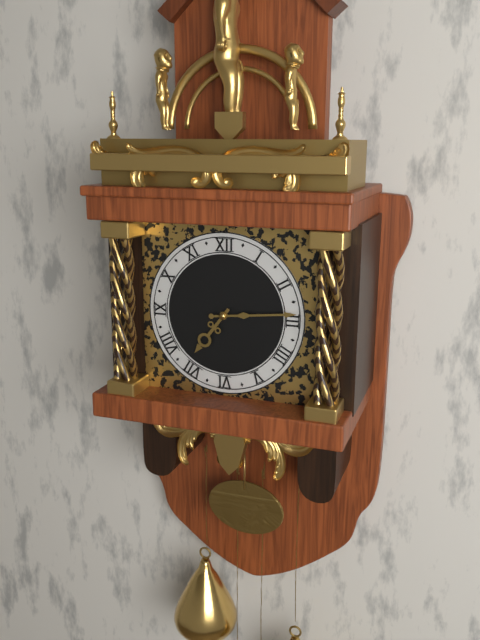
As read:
h=7 m=14
